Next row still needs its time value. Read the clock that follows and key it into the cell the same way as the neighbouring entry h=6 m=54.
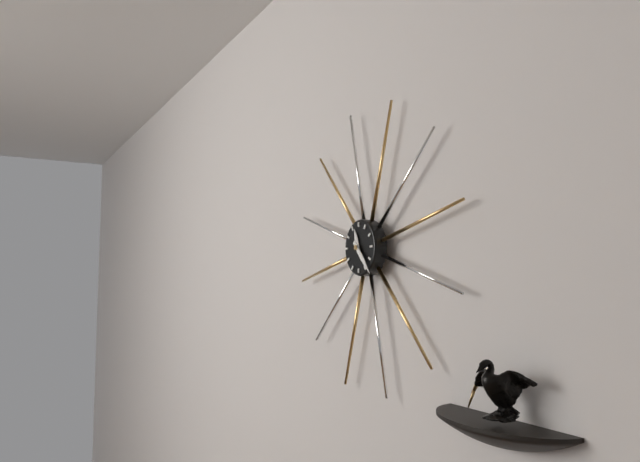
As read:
h=11 m=23
